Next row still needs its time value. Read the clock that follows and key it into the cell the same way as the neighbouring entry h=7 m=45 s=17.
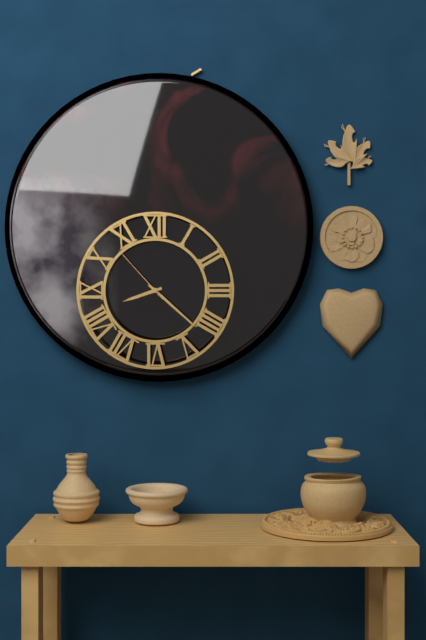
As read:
h=8 m=22 s=53
